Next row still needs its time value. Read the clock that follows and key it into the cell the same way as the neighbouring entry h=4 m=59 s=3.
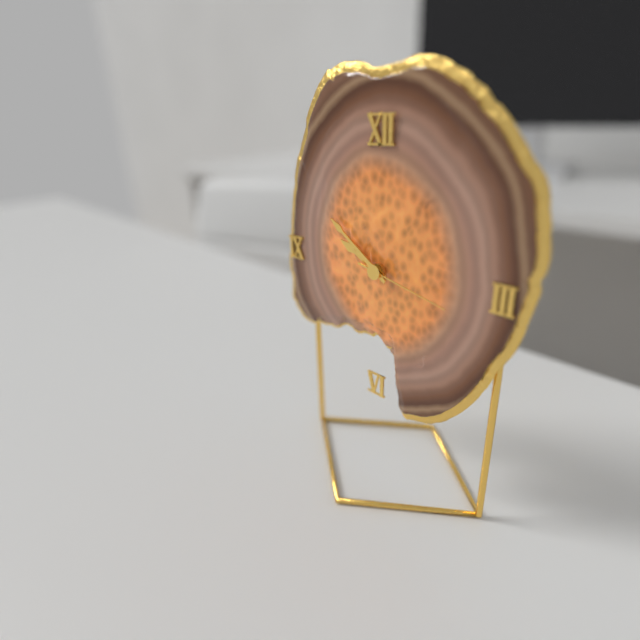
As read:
h=9 m=51 s=17
